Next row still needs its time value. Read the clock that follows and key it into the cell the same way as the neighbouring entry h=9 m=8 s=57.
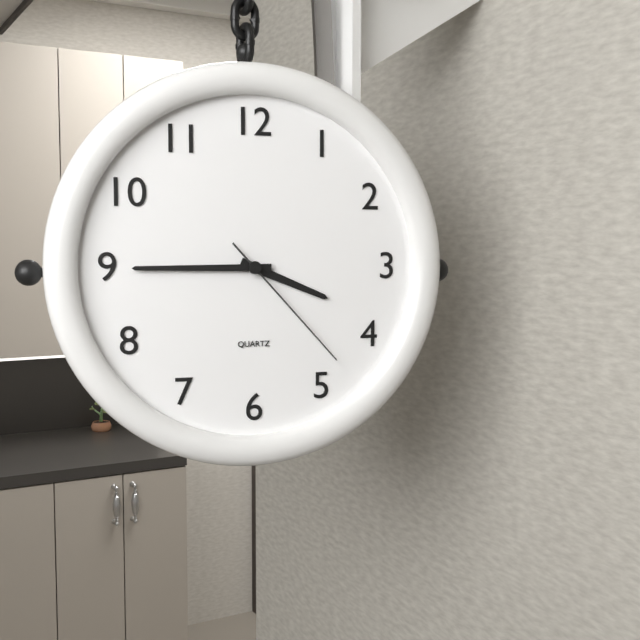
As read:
h=3 m=45 s=23
